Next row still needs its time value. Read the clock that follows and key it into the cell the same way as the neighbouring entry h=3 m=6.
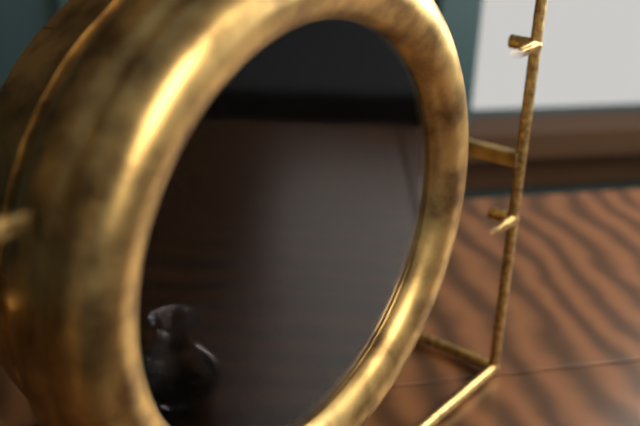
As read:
h=8 m=59
